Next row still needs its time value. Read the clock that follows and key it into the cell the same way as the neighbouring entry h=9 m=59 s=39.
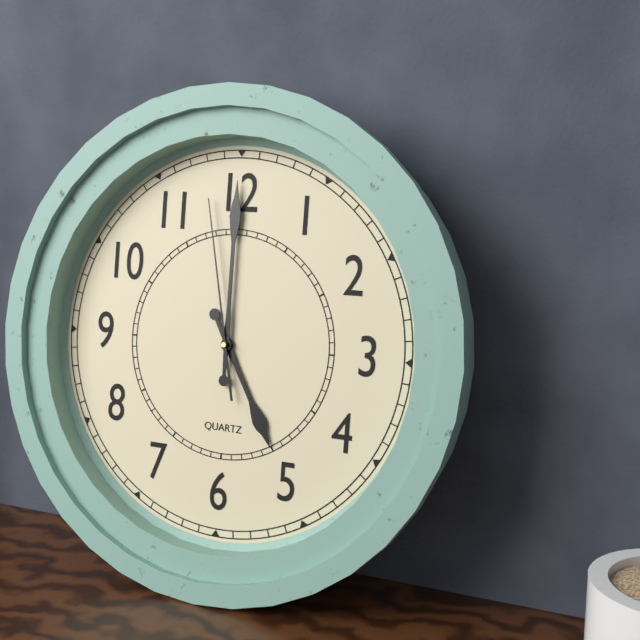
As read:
h=5 m=0 s=58
